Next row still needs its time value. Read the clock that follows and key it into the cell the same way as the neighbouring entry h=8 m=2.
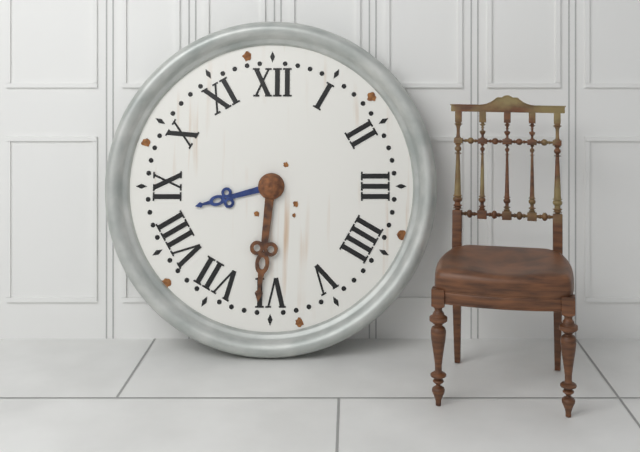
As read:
h=8 m=31
